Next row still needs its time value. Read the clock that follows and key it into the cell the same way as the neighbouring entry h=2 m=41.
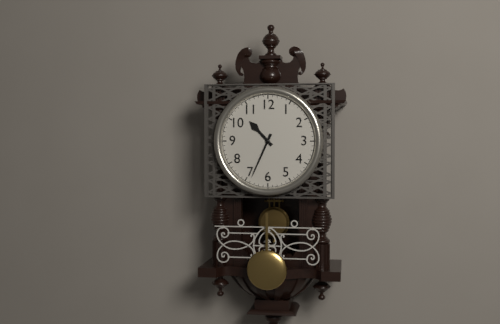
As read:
h=10 m=34
